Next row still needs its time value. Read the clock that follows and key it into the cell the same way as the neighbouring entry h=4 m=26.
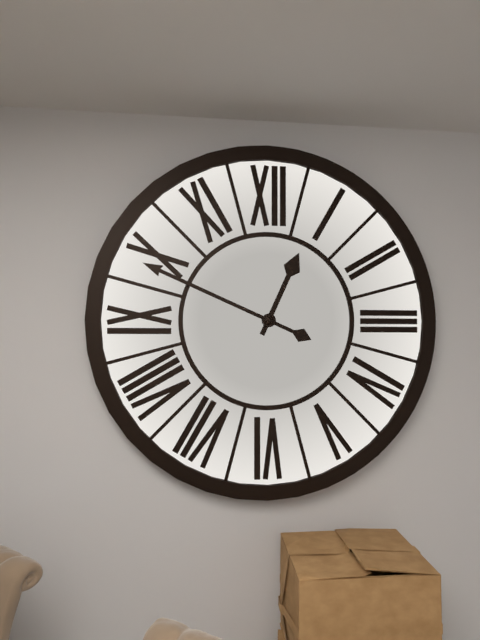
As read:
h=12 m=49
